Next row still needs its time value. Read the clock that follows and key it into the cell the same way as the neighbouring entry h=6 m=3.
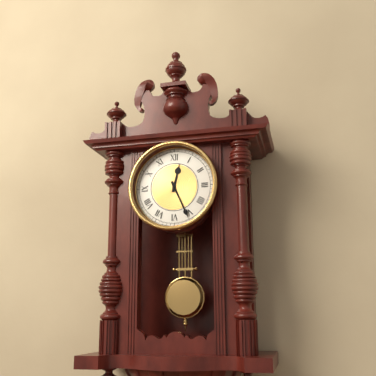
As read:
h=12 m=26
